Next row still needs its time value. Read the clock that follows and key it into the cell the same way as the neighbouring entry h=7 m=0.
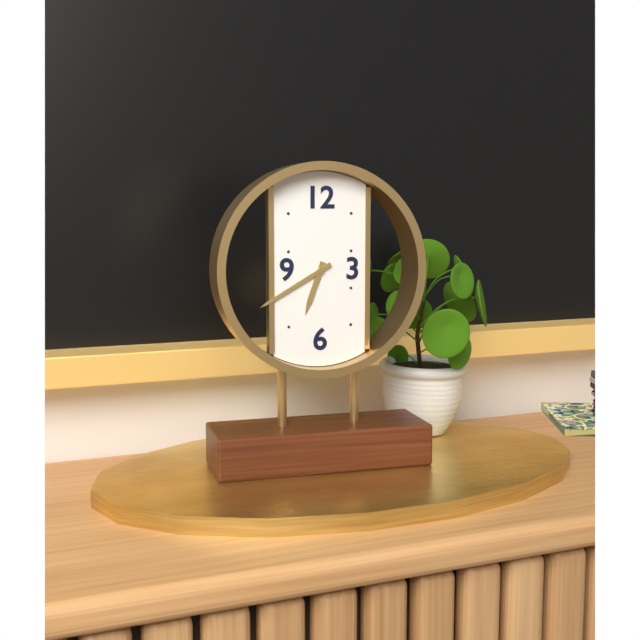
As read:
h=6 m=40
